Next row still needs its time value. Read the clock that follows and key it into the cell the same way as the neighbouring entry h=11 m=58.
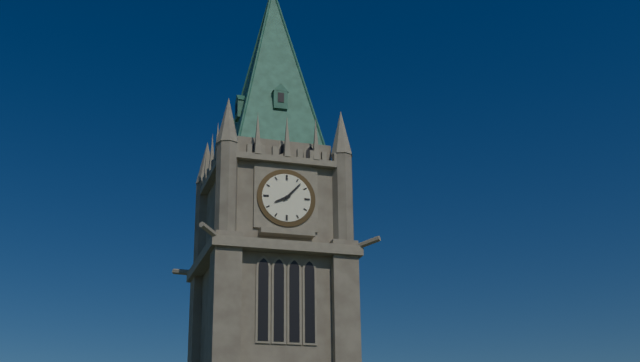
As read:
h=8 m=7
